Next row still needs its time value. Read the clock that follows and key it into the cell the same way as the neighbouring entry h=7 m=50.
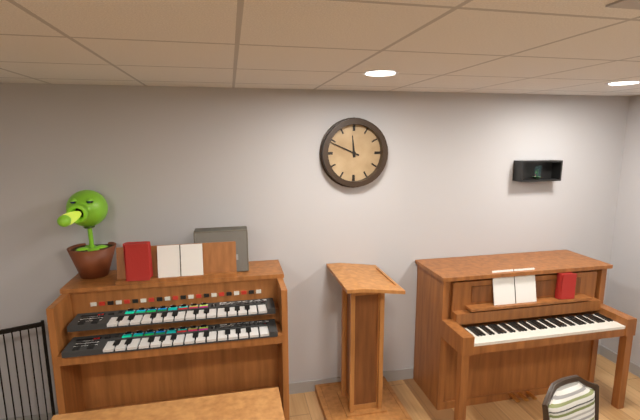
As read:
h=11 m=49
